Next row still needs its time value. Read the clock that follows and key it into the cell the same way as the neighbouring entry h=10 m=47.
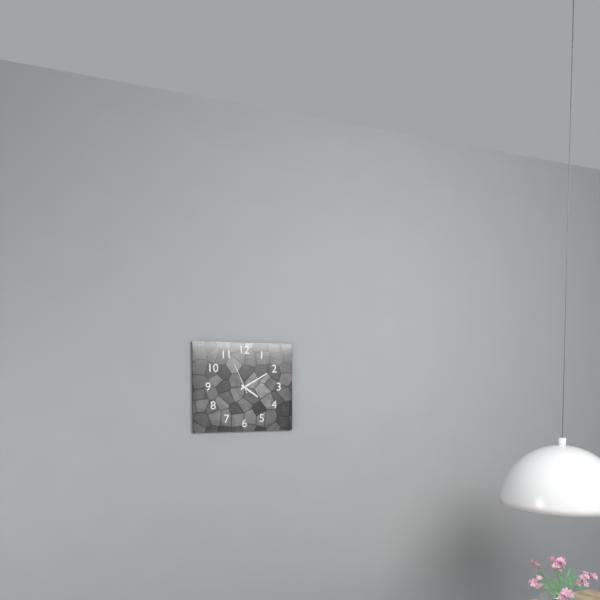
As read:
h=4 m=10
